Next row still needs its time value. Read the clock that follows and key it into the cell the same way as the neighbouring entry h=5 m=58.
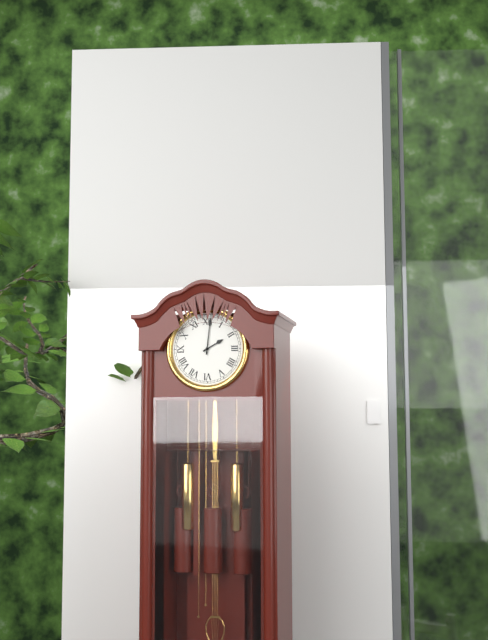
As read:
h=2 m=1
